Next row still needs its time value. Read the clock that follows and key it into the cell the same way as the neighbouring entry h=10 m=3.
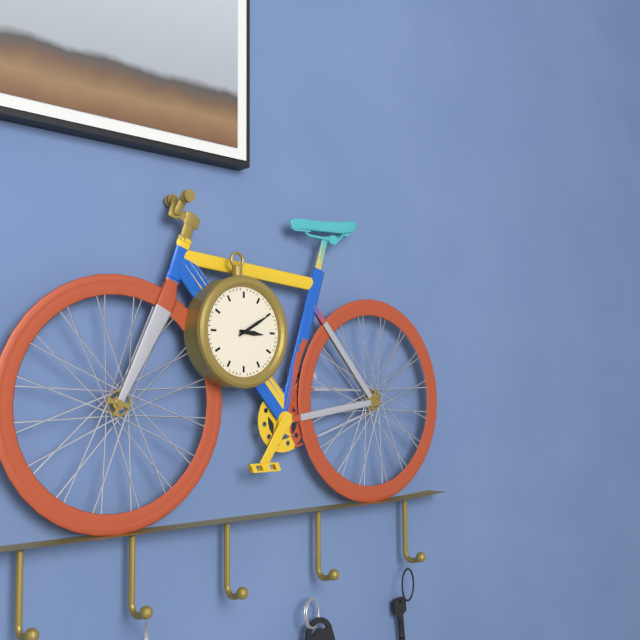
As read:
h=3 m=10
